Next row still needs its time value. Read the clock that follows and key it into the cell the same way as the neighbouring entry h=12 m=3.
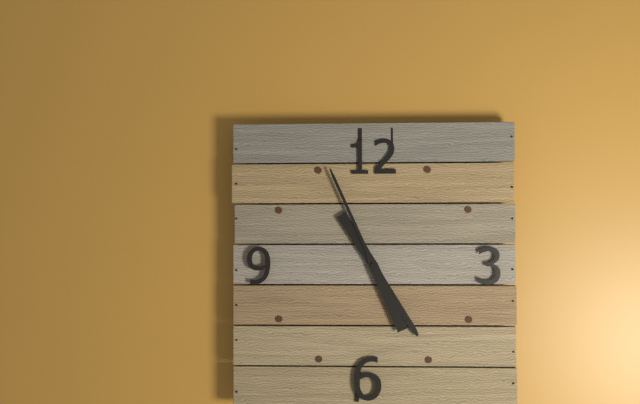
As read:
h=4 m=56
